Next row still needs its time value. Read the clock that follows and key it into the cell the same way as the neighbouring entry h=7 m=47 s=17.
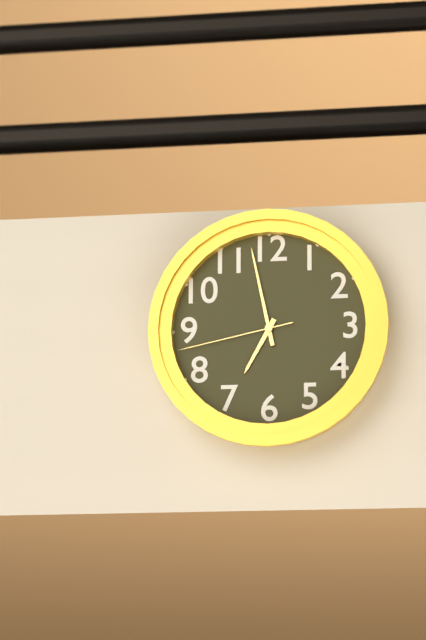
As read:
h=6 m=58 s=43
